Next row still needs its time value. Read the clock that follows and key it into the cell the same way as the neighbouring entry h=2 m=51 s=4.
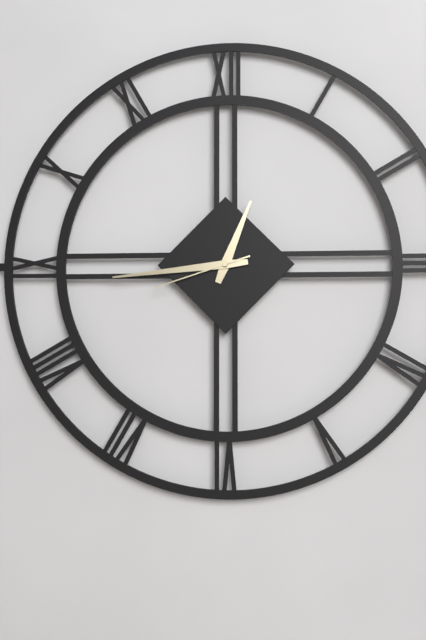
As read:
h=12 m=44 s=42
